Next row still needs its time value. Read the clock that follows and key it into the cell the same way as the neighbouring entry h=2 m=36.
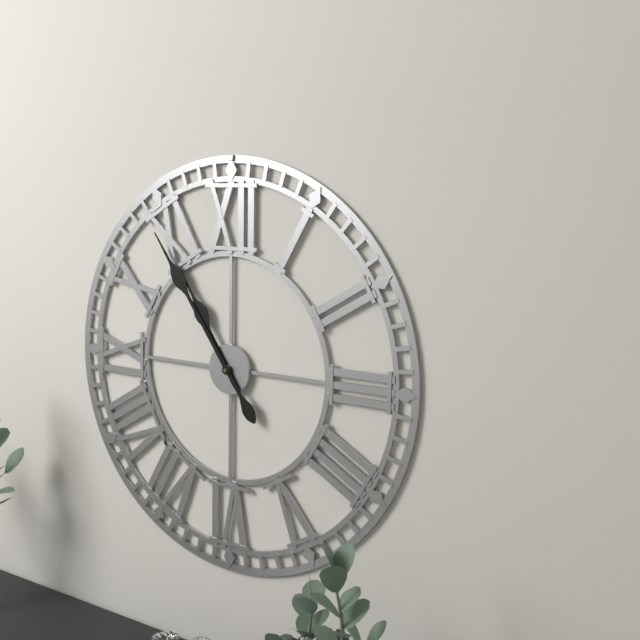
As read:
h=10 m=54
